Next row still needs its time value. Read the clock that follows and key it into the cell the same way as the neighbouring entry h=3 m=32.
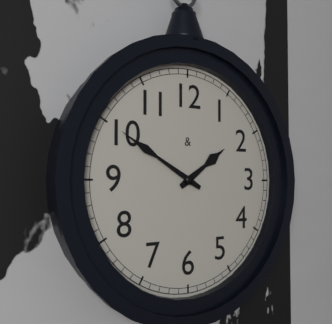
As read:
h=1 m=50
